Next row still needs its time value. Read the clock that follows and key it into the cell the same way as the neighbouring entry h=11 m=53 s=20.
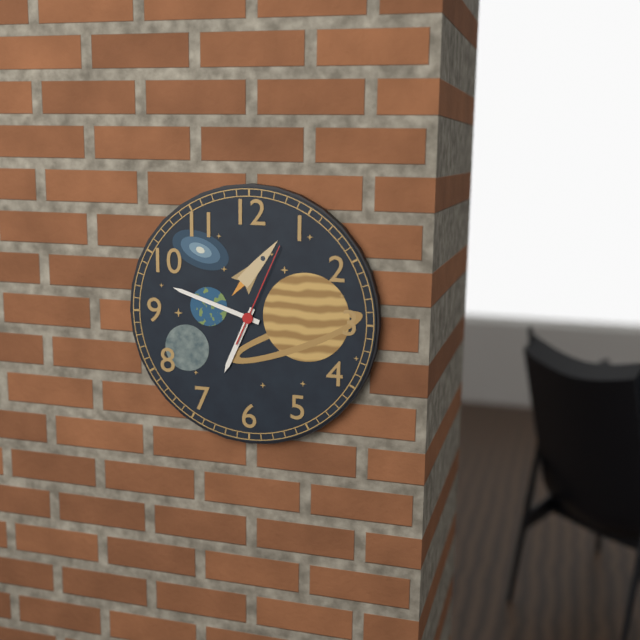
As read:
h=6 m=48 s=4
